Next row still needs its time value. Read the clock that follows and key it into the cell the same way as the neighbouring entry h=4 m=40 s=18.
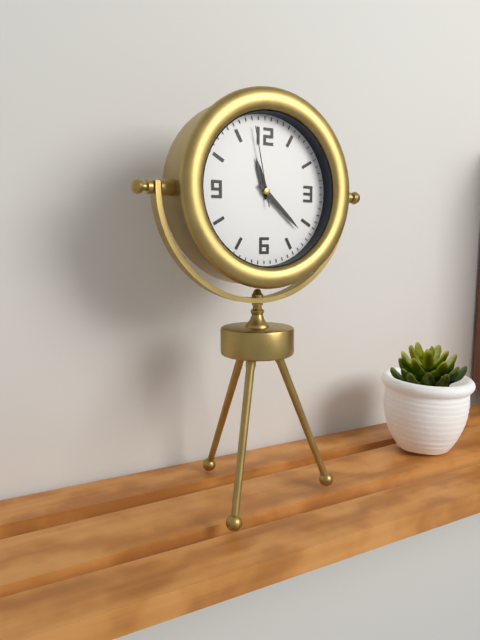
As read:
h=11 m=22 s=58
